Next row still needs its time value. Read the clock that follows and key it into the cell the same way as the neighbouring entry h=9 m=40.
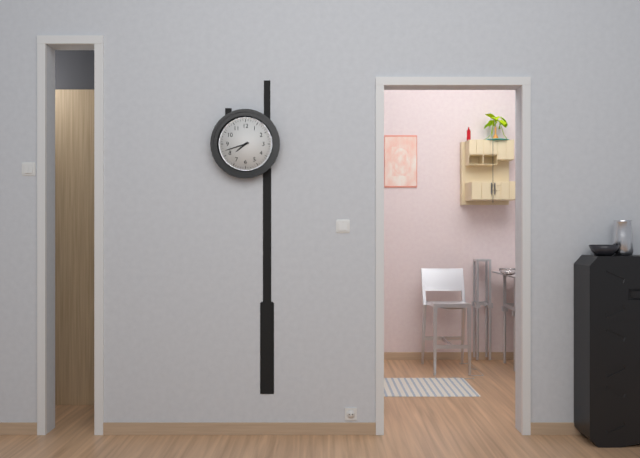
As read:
h=7 m=42
